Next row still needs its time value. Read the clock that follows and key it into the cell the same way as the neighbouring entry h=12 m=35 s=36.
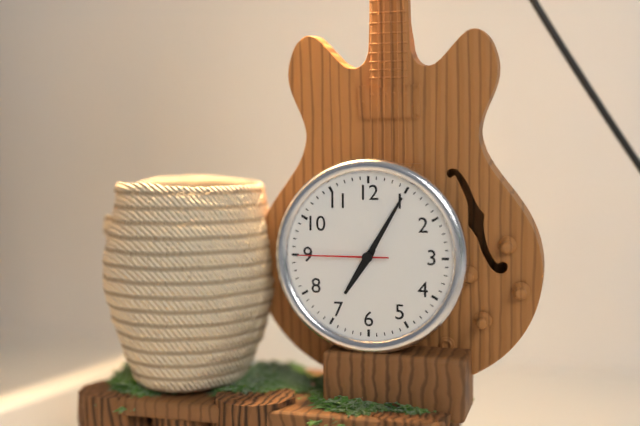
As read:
h=7 m=5 s=45
